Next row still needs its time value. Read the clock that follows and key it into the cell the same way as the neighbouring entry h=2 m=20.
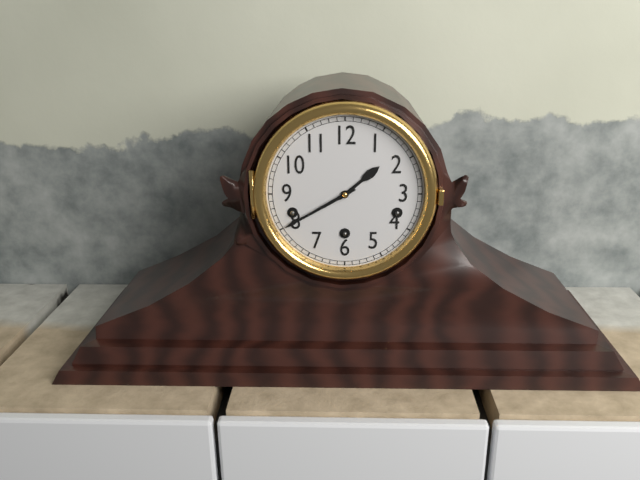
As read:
h=1 m=40
